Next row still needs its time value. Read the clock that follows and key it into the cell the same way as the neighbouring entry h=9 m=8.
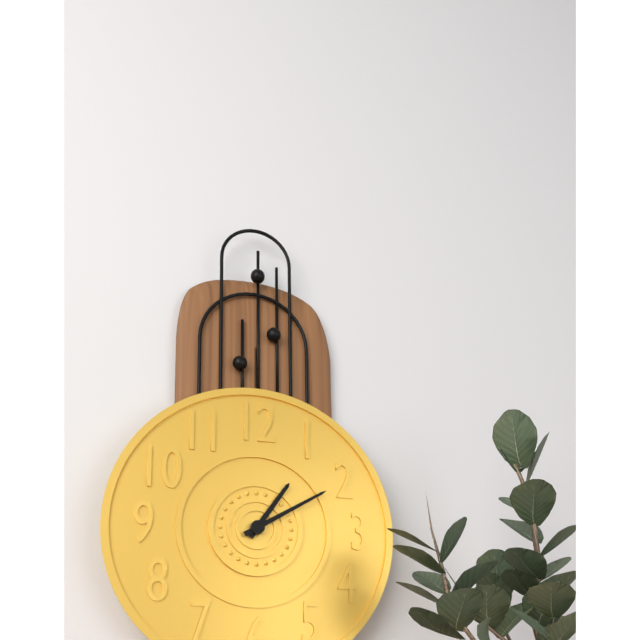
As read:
h=1 m=10
